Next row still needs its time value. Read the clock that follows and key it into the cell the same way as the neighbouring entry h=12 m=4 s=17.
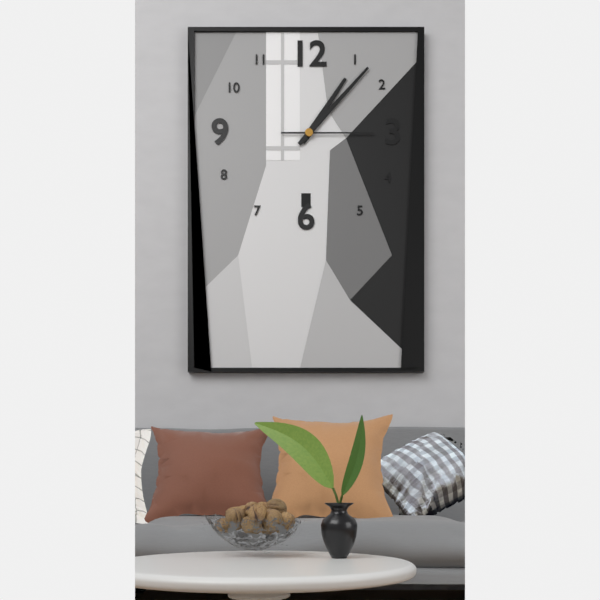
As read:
h=1 m=7 s=15
